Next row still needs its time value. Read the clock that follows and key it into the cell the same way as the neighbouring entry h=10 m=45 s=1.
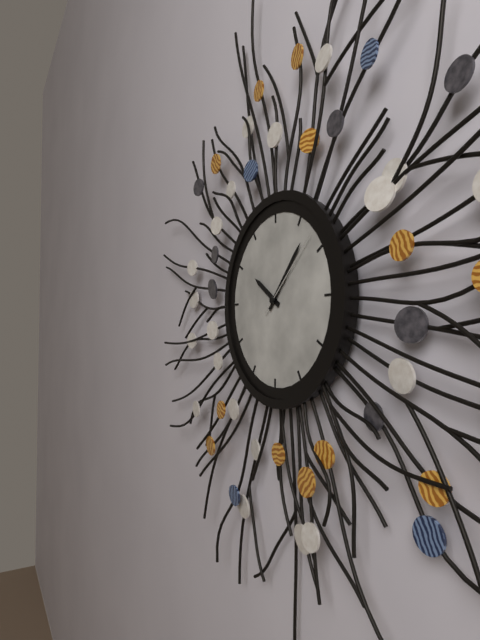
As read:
h=10 m=7 s=8
